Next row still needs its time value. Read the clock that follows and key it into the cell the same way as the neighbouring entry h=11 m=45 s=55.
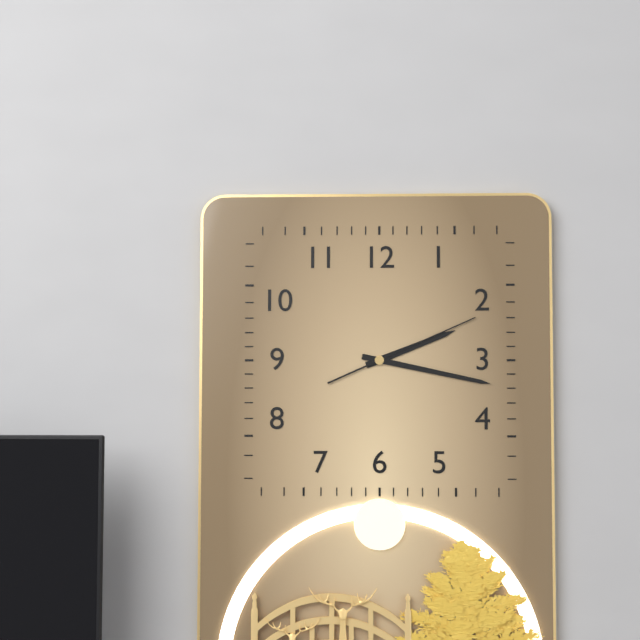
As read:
h=2 m=17 s=11
